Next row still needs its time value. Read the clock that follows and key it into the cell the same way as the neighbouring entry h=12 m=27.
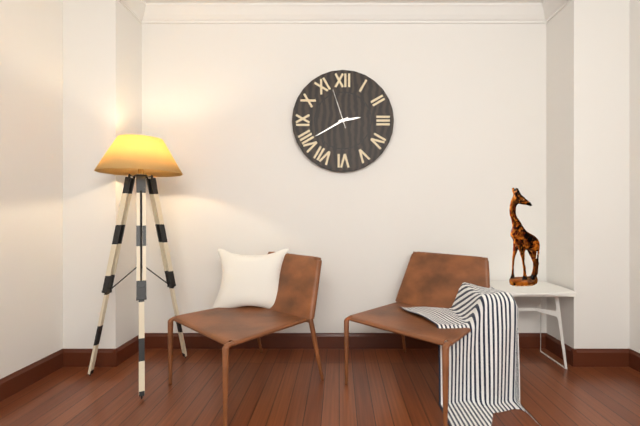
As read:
h=2 m=40
